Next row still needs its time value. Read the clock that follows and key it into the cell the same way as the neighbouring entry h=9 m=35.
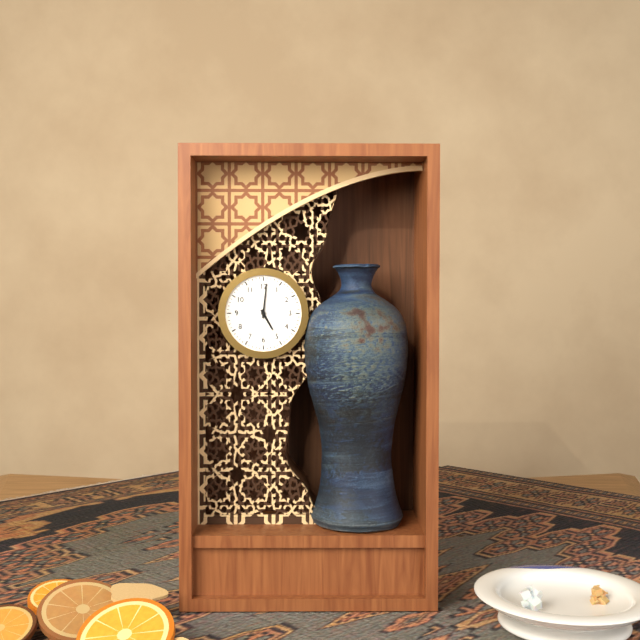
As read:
h=5 m=1
